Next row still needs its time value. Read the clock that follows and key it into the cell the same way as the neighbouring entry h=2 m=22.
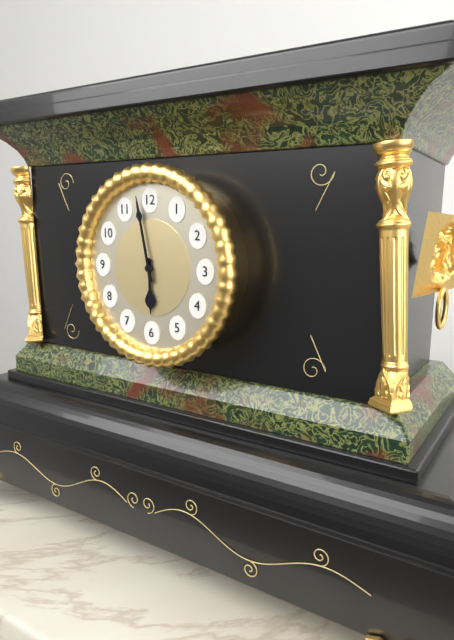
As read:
h=5 m=58
